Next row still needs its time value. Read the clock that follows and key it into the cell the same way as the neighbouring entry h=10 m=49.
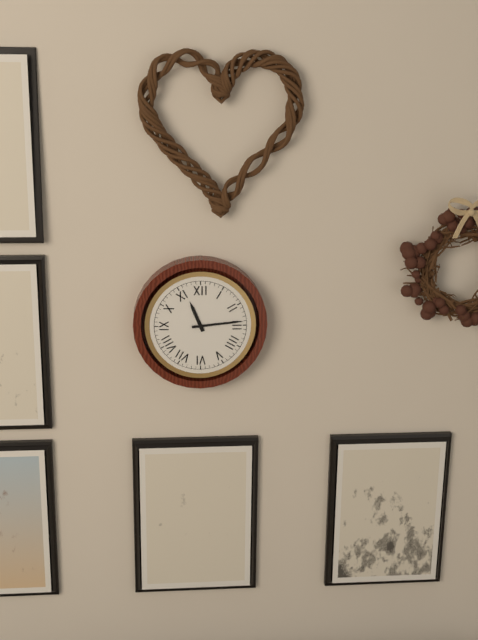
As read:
h=11 m=14
